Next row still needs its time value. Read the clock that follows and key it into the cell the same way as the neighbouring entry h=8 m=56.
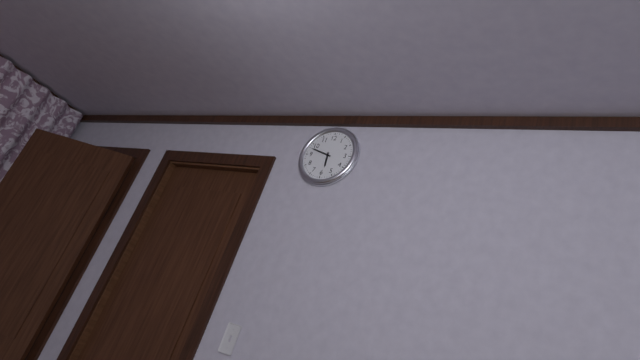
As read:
h=5 m=48
